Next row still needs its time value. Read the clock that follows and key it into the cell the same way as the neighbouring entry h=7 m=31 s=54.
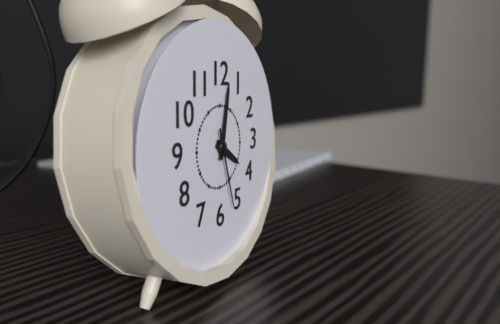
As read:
h=4 m=2 s=27
